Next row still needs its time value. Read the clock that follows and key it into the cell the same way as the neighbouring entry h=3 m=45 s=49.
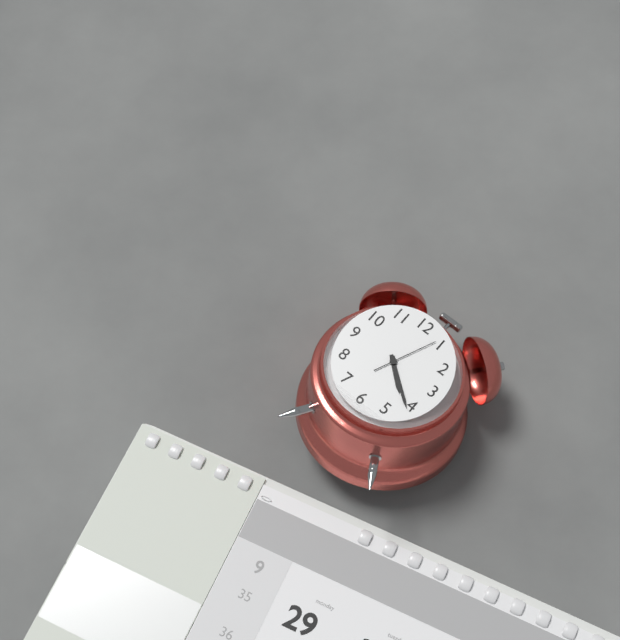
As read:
h=4 m=21 s=4
